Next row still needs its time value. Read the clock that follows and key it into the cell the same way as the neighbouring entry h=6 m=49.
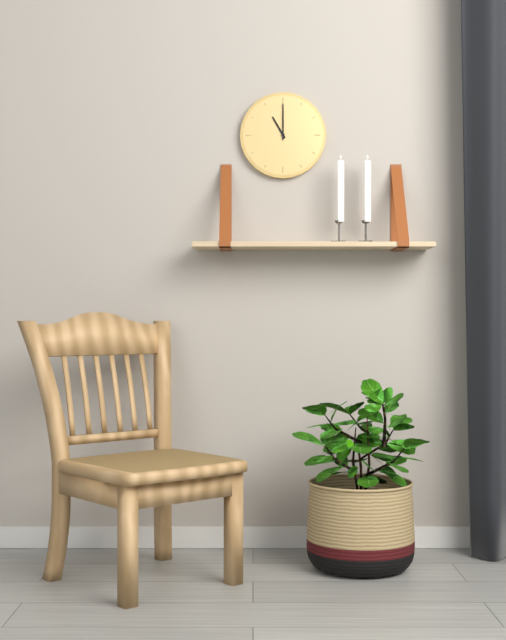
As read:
h=11 m=0
